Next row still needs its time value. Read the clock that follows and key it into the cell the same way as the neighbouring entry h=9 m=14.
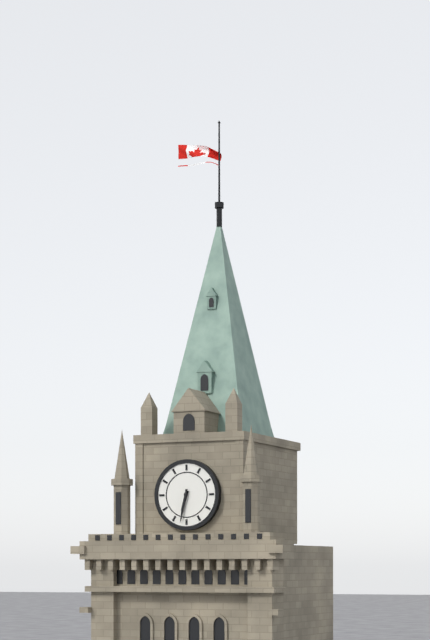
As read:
h=6 m=32
